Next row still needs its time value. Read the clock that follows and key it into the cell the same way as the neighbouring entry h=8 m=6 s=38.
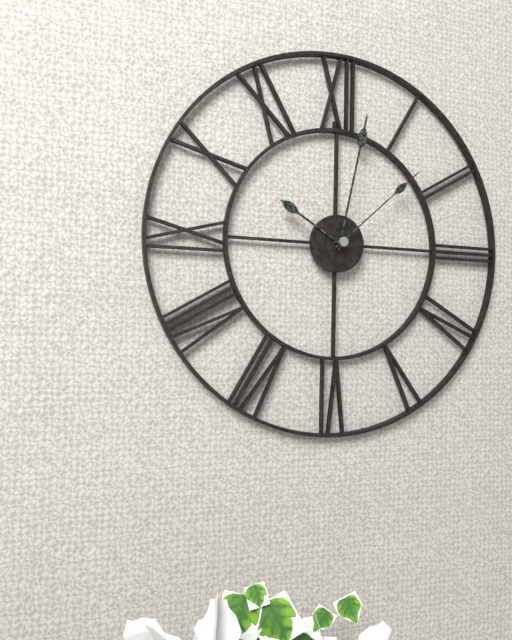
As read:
h=10 m=2 s=8
